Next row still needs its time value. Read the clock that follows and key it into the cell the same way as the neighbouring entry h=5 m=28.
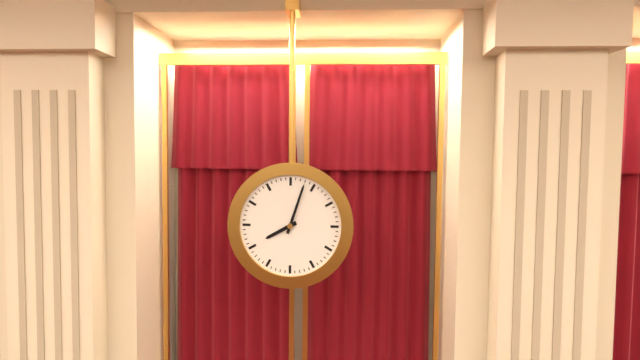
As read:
h=8 m=3
